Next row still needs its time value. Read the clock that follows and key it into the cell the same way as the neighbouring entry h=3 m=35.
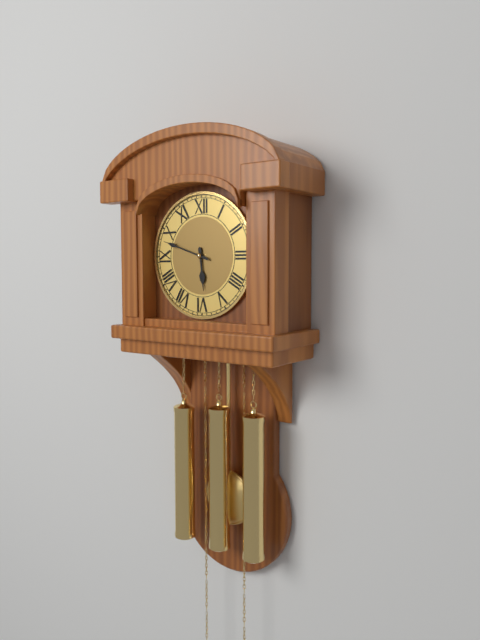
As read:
h=5 m=48
